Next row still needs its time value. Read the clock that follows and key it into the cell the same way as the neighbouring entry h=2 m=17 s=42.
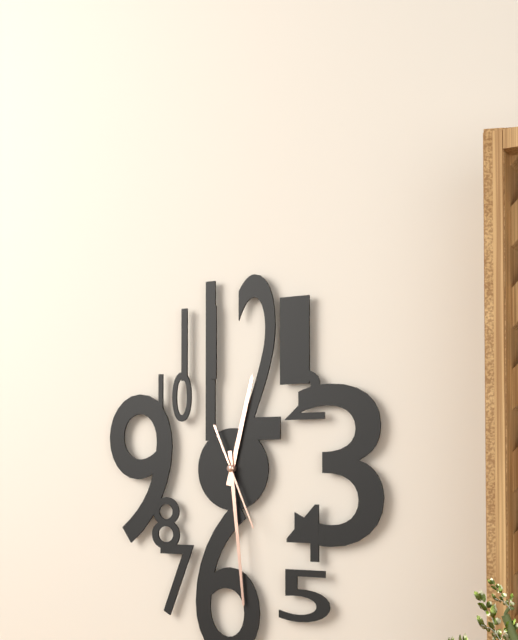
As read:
h=12 m=29 s=26
